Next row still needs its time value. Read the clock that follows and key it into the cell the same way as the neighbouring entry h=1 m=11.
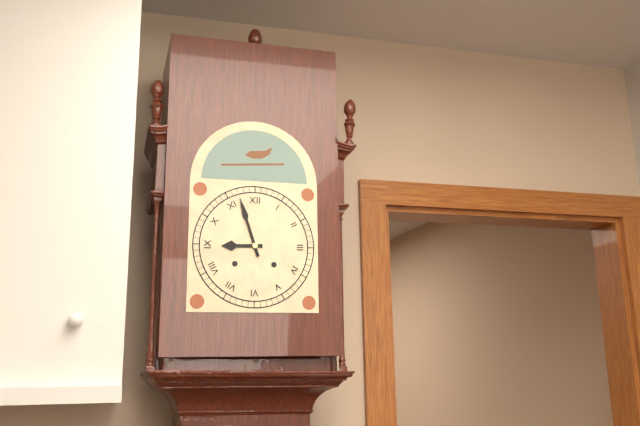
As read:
h=8 m=57
